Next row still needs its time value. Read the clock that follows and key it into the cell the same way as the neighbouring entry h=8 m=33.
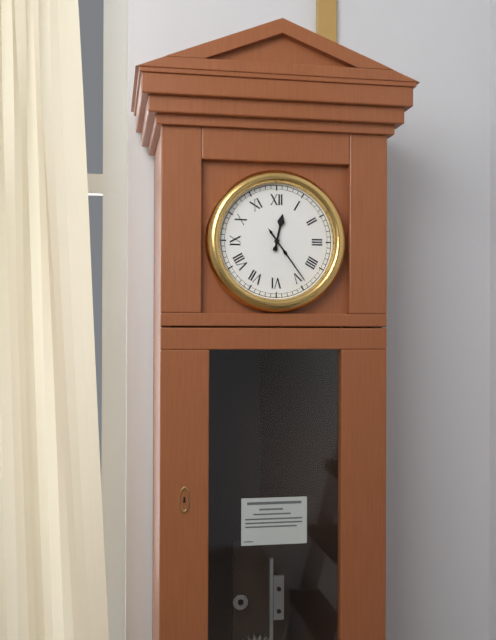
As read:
h=12 m=24
